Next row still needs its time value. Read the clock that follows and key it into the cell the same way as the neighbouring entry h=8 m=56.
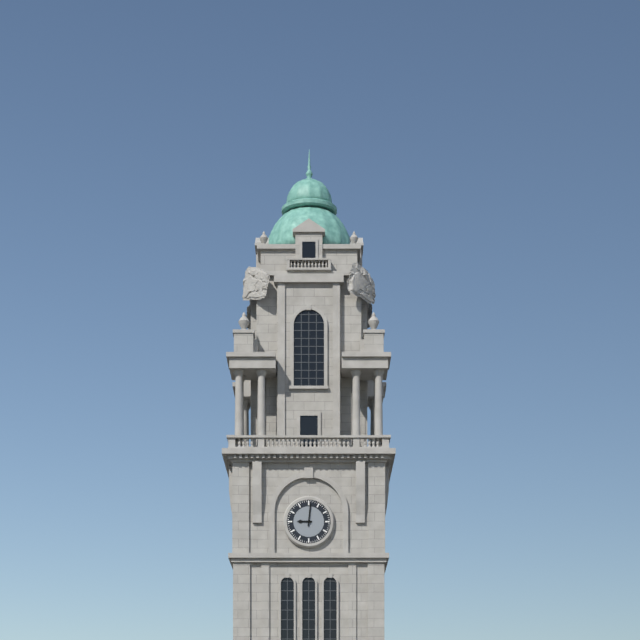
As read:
h=9 m=1
